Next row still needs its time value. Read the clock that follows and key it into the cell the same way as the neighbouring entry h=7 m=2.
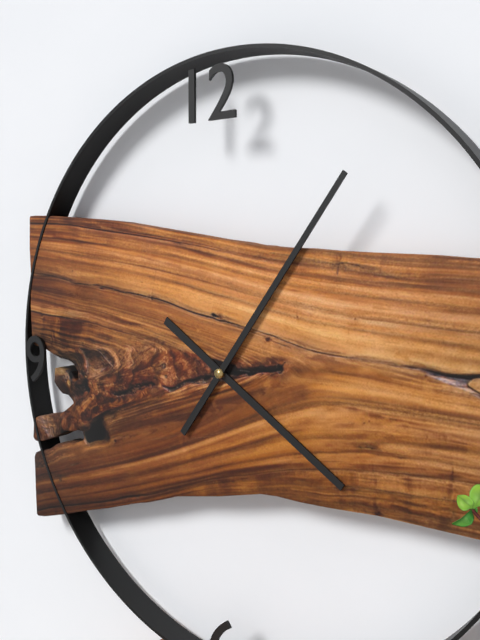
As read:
h=4 m=6
